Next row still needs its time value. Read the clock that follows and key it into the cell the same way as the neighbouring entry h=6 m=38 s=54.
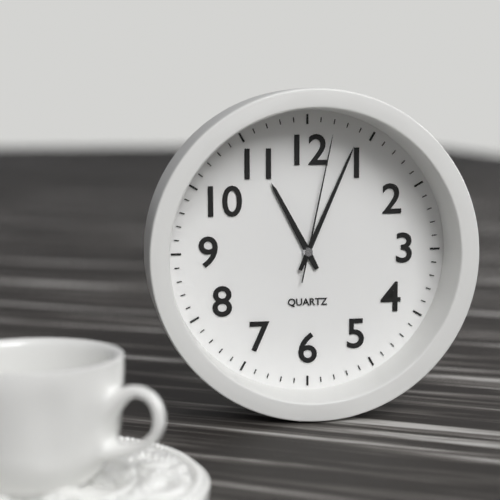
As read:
h=11 m=4 s=2
